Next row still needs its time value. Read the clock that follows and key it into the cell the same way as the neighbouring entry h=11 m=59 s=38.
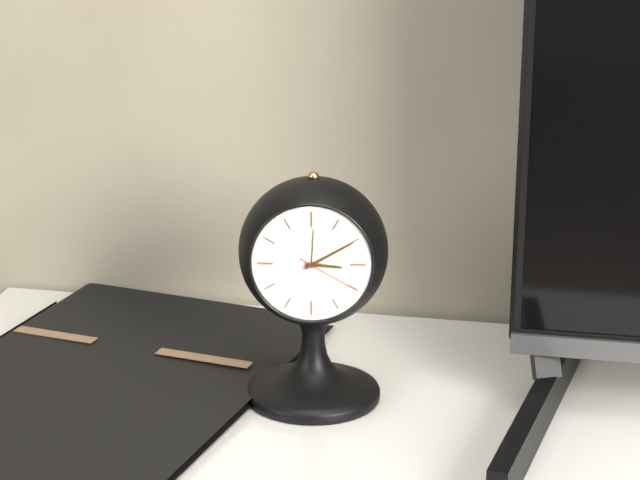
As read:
h=3 m=10 s=20
